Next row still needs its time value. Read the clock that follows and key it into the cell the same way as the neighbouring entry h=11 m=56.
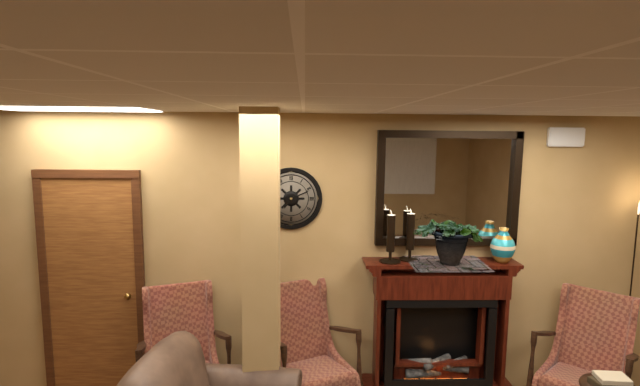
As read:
h=7 m=11
